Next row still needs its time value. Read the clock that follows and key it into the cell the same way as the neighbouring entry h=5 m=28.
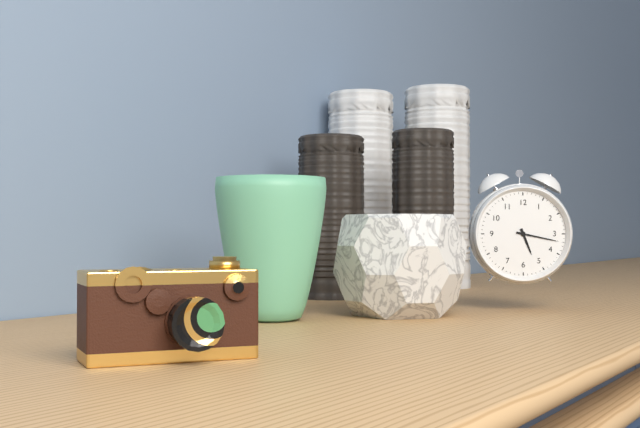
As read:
h=5 m=17
